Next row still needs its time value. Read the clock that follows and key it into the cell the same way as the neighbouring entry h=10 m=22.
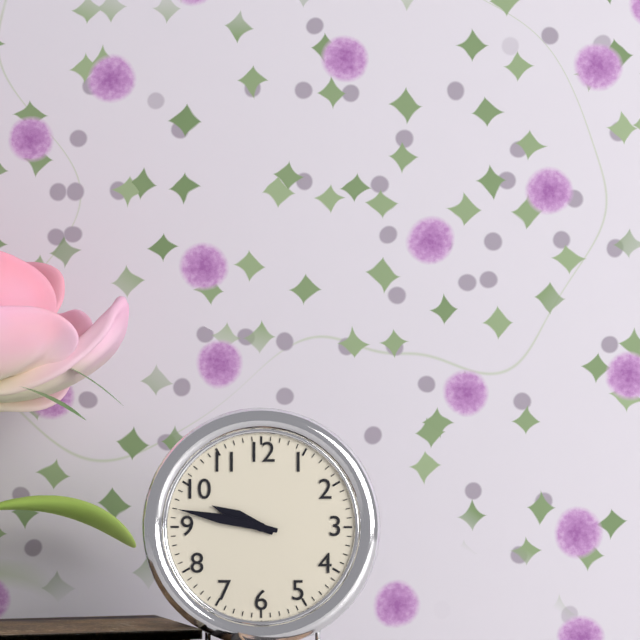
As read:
h=9 m=47
